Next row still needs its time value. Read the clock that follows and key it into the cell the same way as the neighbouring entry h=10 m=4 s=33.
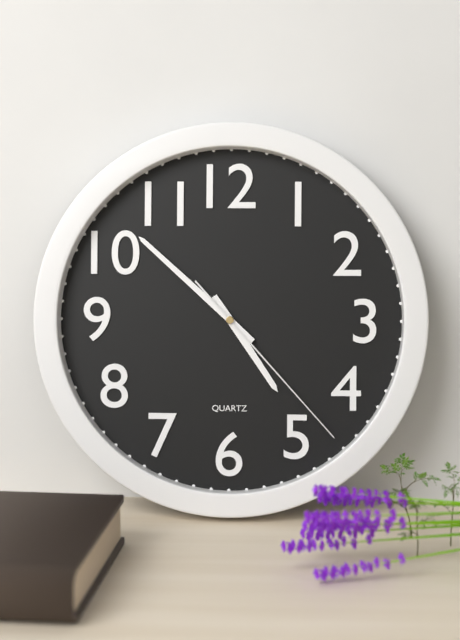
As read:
h=4 m=52 s=23
